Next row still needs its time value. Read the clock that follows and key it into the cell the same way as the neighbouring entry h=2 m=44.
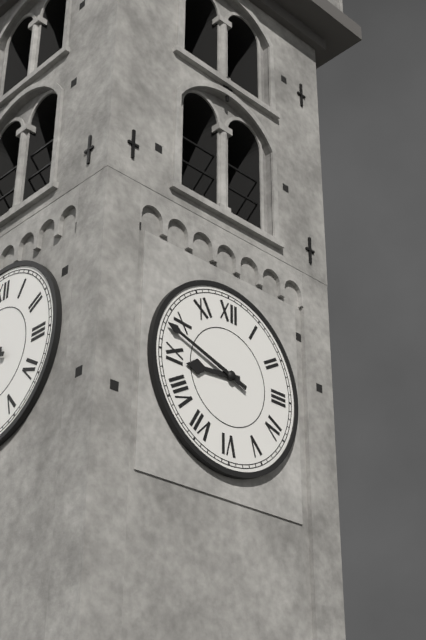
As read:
h=8 m=48
